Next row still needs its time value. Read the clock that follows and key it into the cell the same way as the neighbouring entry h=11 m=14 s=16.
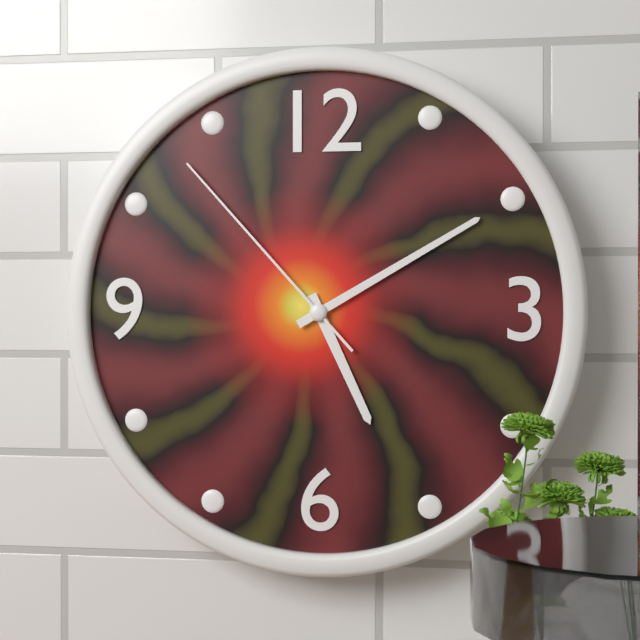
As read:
h=5 m=10 s=53
